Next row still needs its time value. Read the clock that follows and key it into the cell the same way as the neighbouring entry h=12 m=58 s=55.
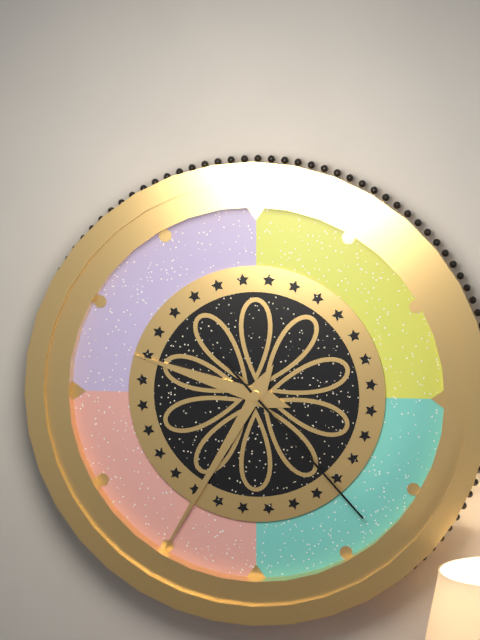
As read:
h=9 m=35 s=23
